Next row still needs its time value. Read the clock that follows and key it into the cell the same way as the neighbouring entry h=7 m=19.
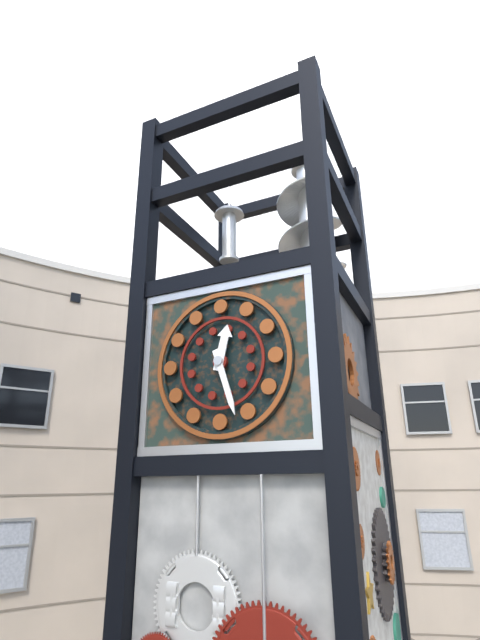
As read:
h=12 m=27
